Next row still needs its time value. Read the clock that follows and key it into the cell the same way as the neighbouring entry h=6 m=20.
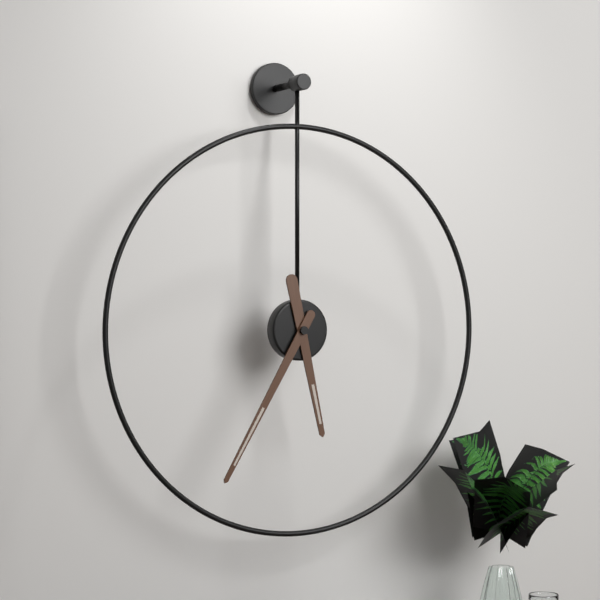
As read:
h=5 m=35
